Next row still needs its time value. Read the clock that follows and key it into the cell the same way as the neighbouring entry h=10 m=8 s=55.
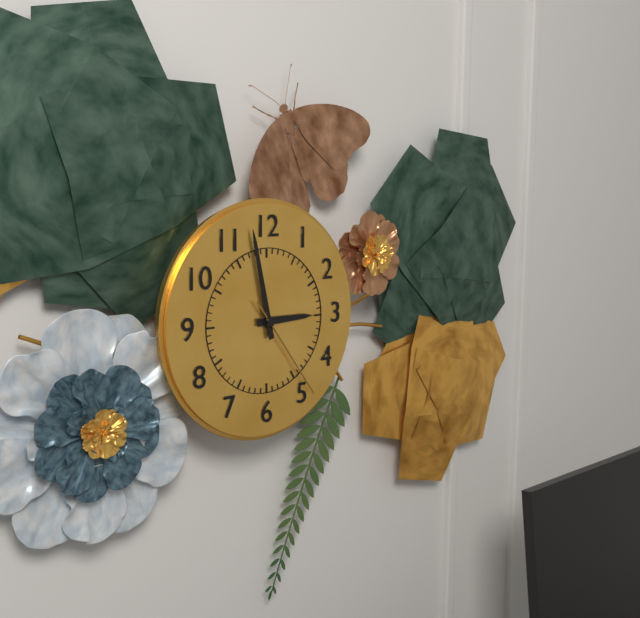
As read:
h=2 m=58 s=24
